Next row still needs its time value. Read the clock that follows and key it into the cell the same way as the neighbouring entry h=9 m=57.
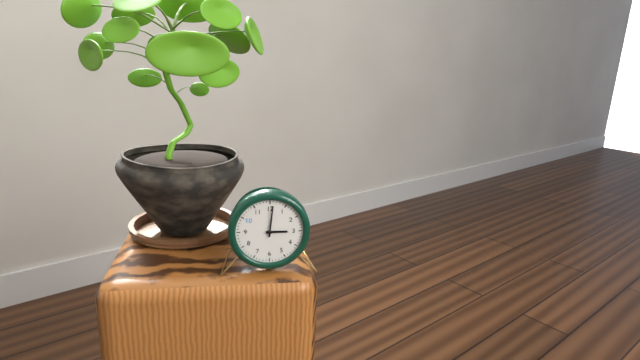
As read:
h=3 m=1
